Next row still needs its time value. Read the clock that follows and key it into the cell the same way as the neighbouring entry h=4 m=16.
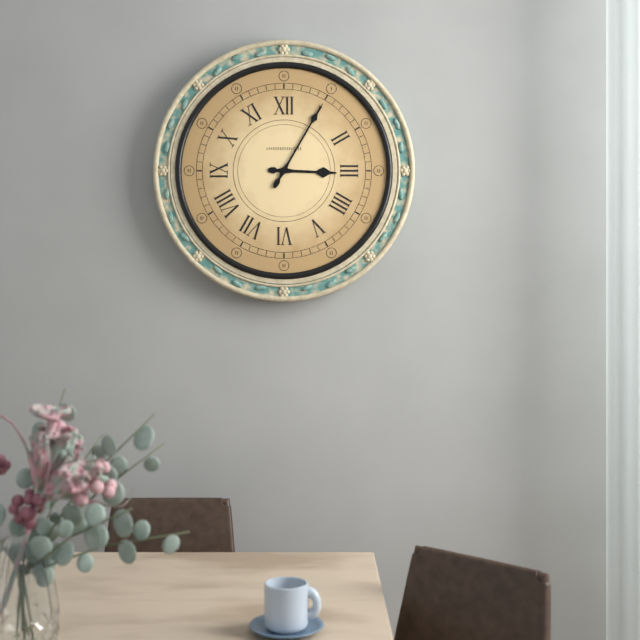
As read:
h=3 m=5
